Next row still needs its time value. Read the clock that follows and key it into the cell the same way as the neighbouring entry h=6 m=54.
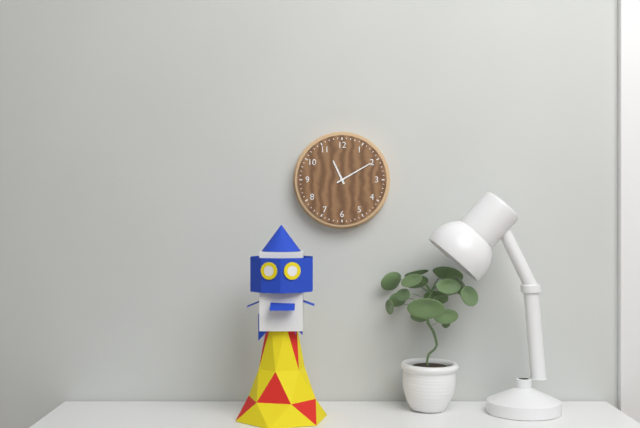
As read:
h=11 m=10
